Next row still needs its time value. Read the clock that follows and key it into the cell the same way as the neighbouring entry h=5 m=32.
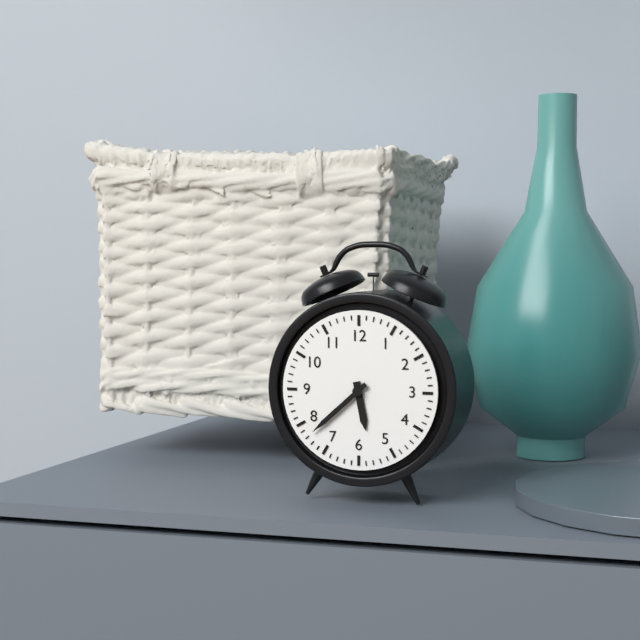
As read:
h=5 m=38
